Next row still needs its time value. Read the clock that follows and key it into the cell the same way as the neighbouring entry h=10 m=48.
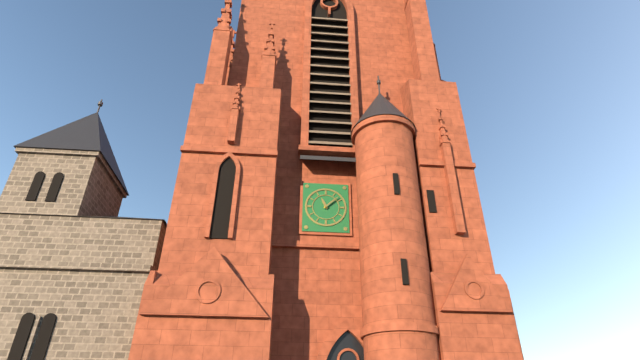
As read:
h=11 m=8
